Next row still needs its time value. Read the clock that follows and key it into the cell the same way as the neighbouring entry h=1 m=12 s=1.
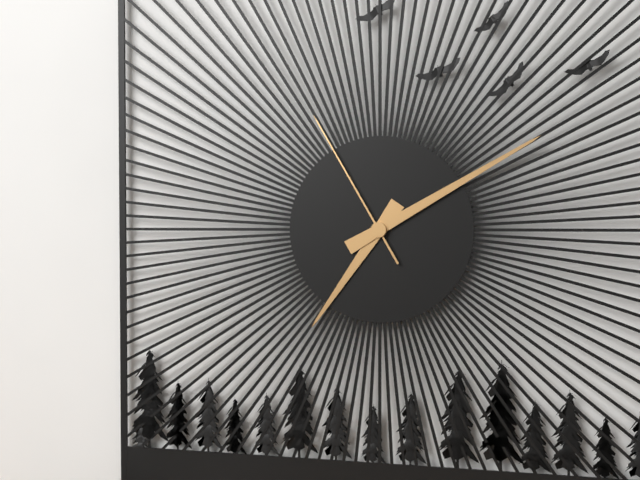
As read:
h=7 m=10 s=55
